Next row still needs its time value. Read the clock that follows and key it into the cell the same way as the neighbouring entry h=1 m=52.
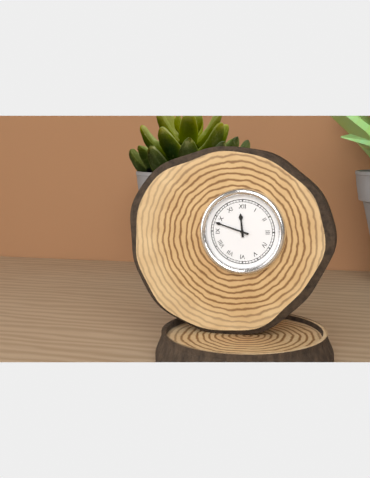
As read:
h=11 m=48
